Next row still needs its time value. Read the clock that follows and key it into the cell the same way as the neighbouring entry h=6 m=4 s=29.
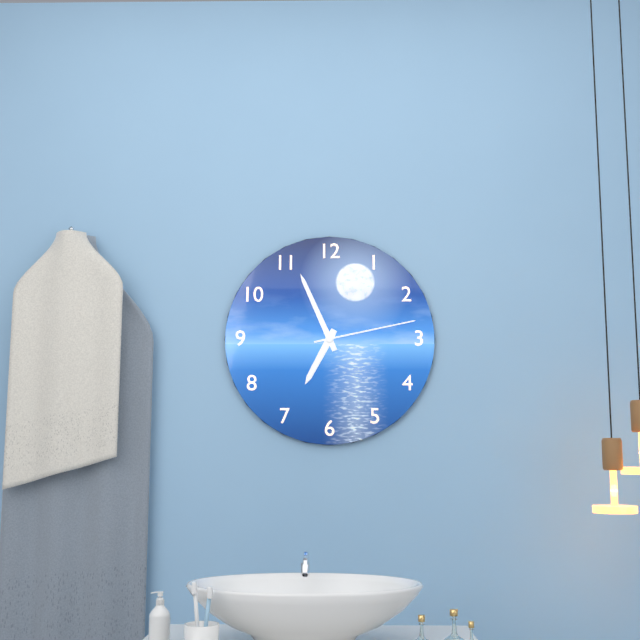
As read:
h=6 m=56 s=13
